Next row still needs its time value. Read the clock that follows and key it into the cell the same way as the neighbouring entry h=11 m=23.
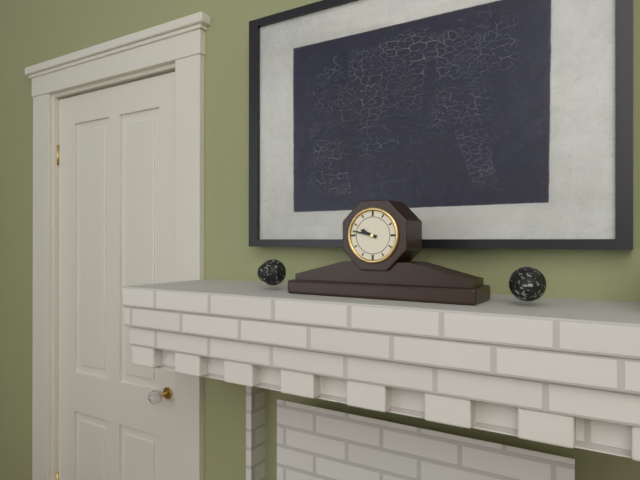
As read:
h=9 m=47
